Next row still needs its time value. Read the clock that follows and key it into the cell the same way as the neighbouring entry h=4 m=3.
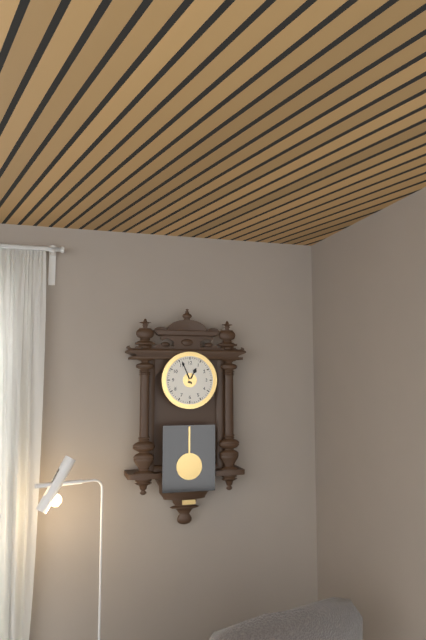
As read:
h=12 m=56
